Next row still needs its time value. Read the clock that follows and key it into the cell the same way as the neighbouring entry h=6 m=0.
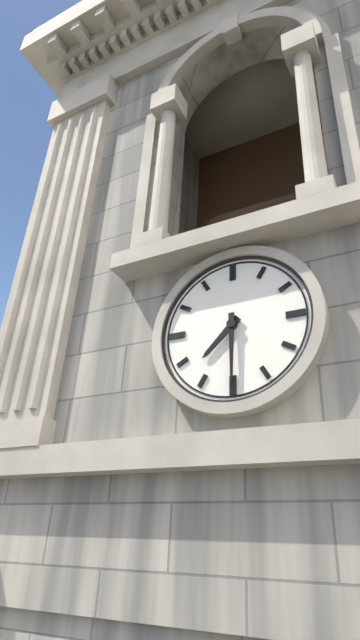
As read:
h=7 m=30
